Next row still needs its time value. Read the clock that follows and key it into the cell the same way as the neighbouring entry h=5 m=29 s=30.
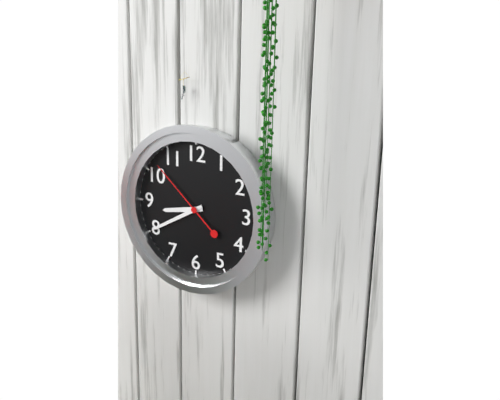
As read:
h=8 m=40 s=52
